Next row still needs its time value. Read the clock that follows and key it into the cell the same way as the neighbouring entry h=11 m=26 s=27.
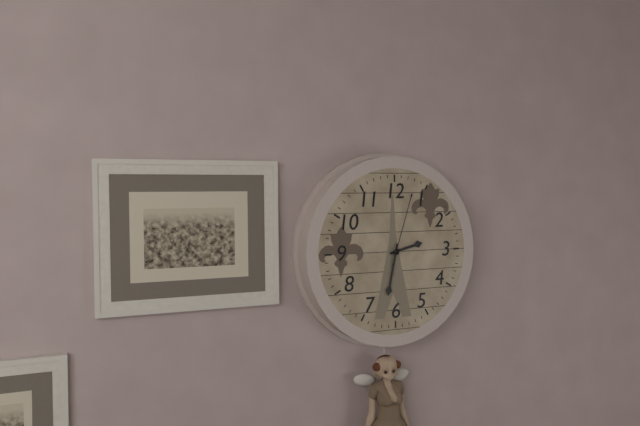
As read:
h=2 m=32 s=3
